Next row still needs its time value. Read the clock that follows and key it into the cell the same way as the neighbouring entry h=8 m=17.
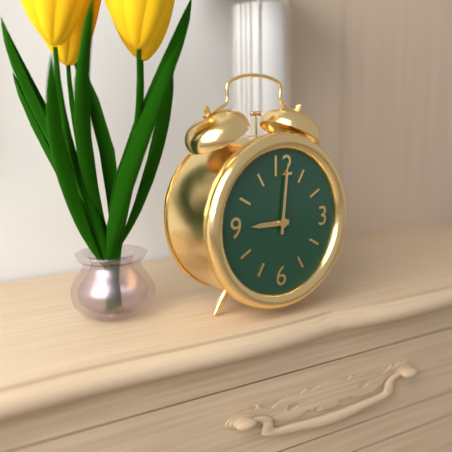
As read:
h=9 m=1
